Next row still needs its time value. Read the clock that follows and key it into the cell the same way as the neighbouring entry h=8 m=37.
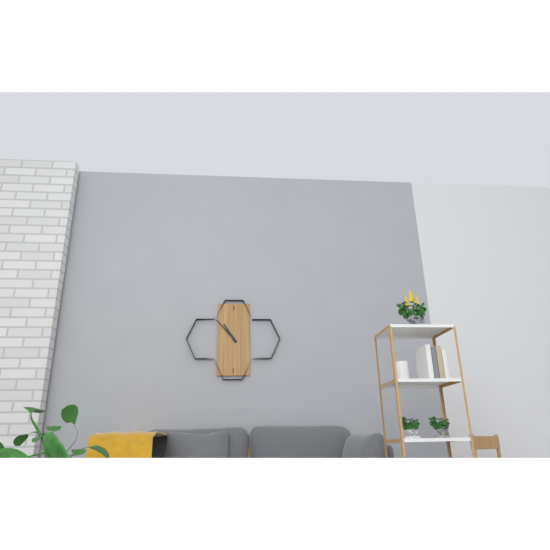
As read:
h=10 m=53
